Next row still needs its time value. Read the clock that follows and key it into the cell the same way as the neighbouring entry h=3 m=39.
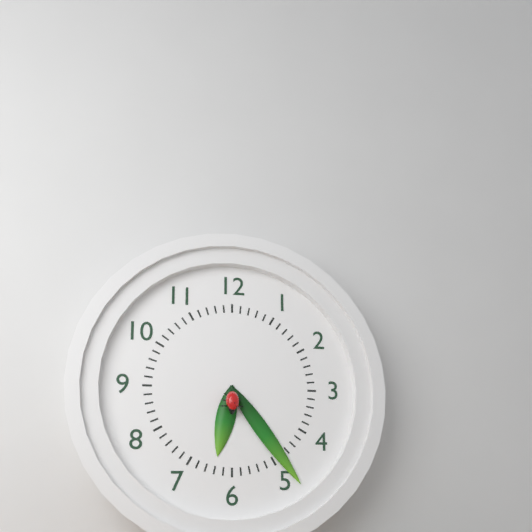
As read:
h=6 m=24
